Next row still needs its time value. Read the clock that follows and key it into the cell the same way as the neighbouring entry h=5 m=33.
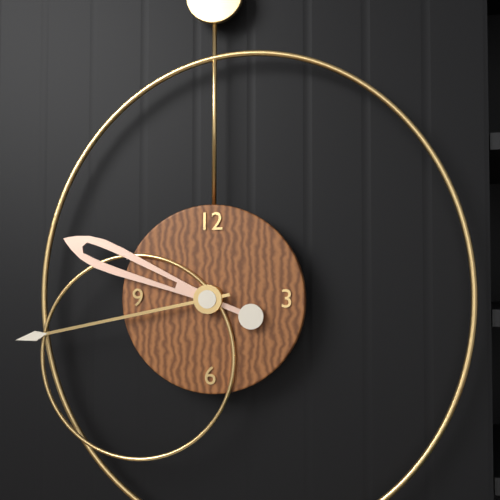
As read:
h=9 m=43
